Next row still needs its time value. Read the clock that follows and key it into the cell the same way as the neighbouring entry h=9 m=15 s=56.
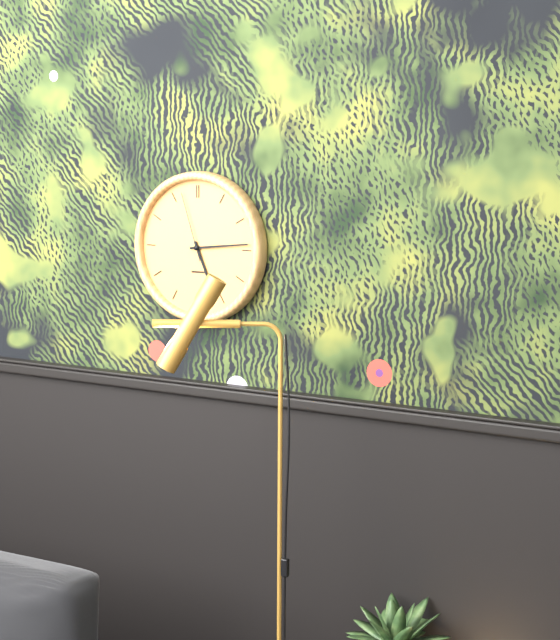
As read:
h=5 m=14 s=57
